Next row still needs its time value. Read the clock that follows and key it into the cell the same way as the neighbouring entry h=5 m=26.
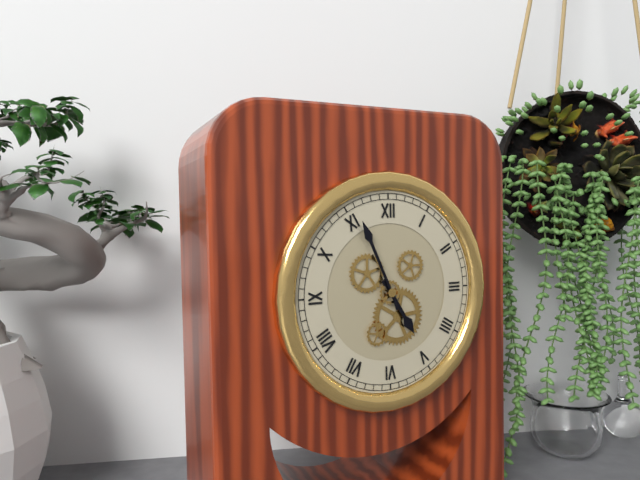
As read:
h=4 m=56
